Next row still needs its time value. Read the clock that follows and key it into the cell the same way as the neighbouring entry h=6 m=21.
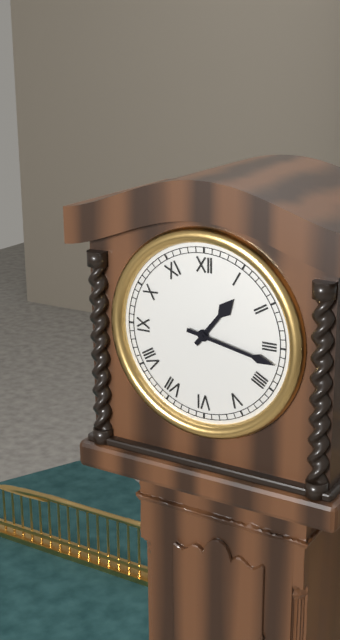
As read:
h=1 m=17
